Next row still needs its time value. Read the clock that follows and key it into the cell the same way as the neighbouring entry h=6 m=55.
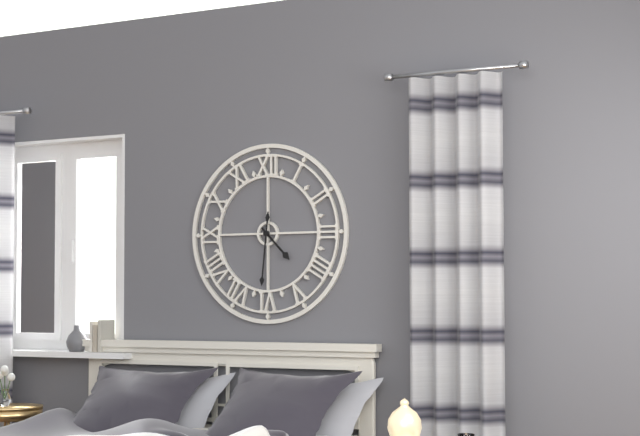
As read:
h=4 m=31
